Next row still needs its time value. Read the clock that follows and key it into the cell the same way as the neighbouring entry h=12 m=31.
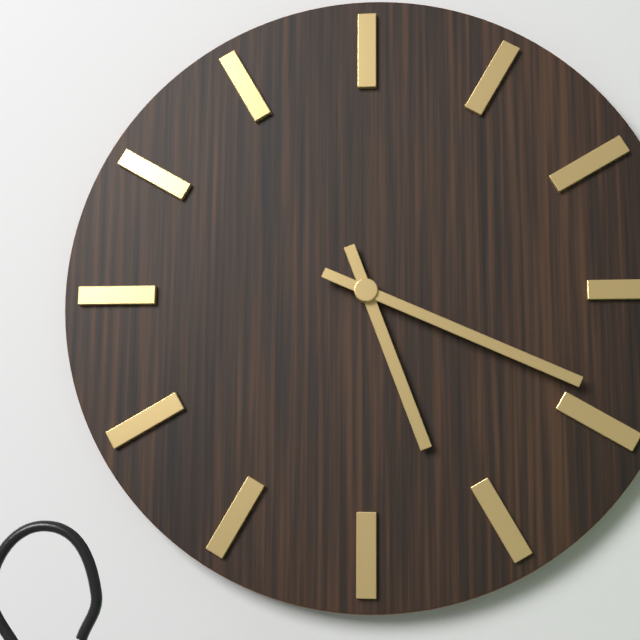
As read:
h=5 m=19
